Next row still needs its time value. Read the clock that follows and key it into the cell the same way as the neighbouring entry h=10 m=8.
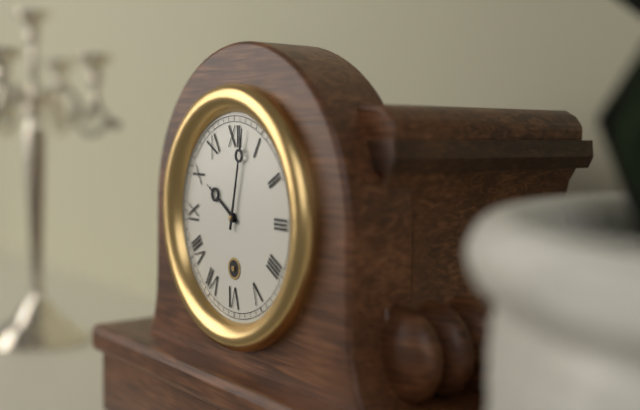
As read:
h=10 m=2
